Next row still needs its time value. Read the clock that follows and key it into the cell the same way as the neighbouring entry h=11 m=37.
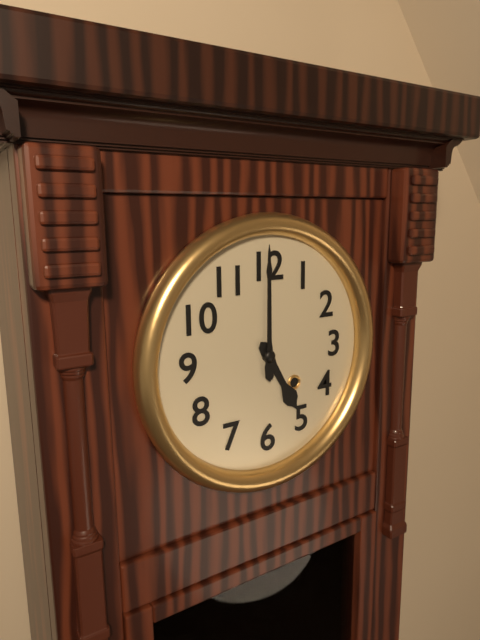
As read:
h=5 m=0
